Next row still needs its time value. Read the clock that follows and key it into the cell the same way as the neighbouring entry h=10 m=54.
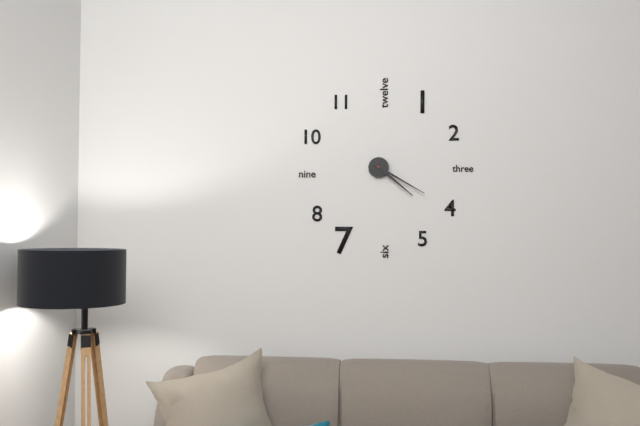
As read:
h=4 m=20
